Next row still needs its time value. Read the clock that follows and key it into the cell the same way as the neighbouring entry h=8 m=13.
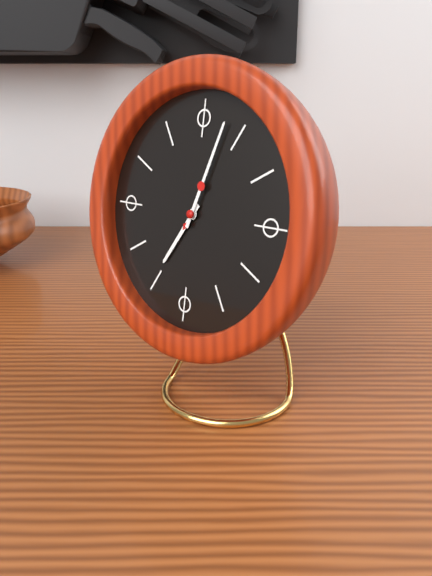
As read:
h=7 m=3
